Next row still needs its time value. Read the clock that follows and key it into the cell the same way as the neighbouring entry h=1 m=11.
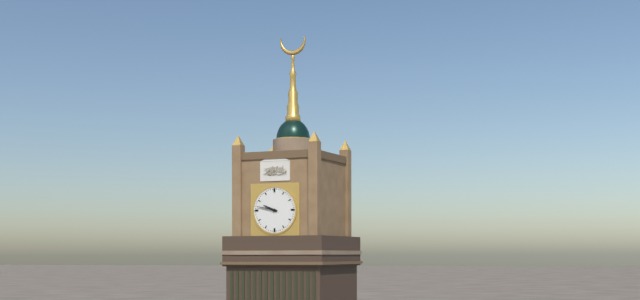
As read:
h=9 m=47
